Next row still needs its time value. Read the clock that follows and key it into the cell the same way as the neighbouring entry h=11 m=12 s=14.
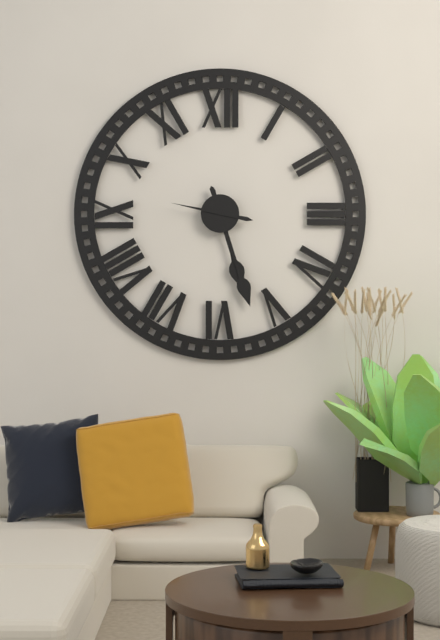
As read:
h=5 m=27 s=47
